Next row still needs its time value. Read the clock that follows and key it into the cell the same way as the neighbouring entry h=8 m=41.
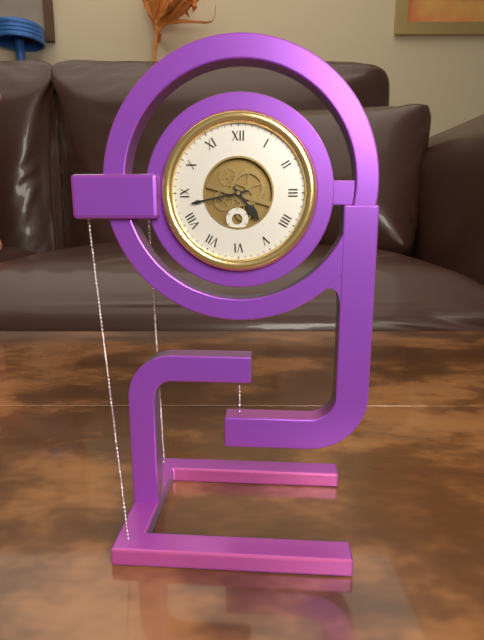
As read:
h=4 m=43
